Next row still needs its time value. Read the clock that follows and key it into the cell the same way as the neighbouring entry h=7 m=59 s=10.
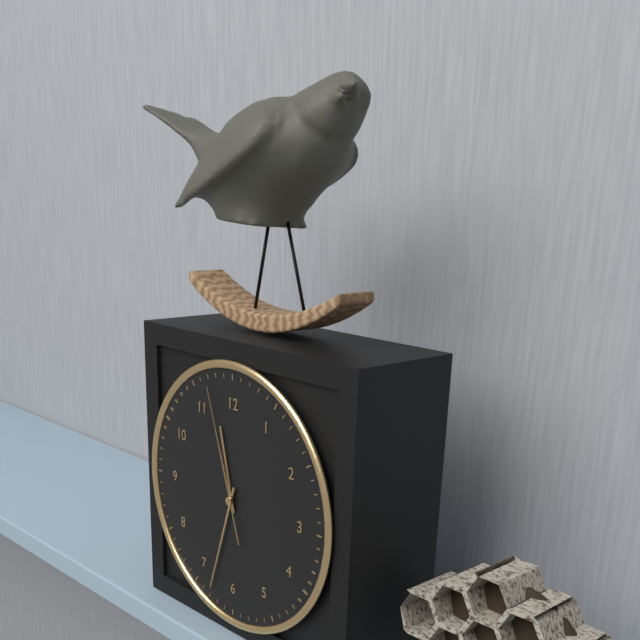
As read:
h=11 m=33 s=57
